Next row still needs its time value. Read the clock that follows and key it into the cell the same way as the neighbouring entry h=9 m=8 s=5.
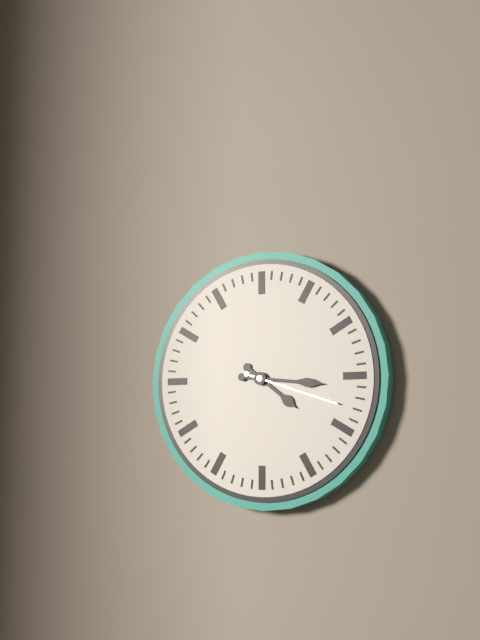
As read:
h=4 m=16 s=18
